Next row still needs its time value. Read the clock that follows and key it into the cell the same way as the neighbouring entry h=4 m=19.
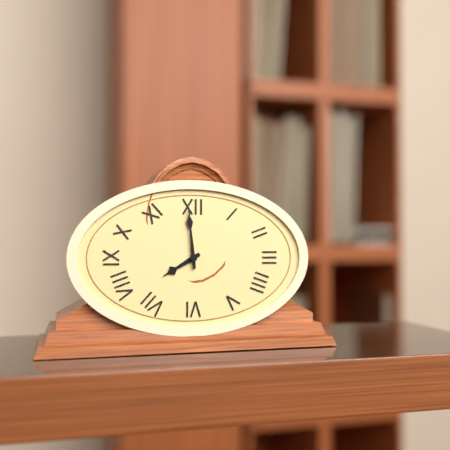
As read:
h=7 m=59
